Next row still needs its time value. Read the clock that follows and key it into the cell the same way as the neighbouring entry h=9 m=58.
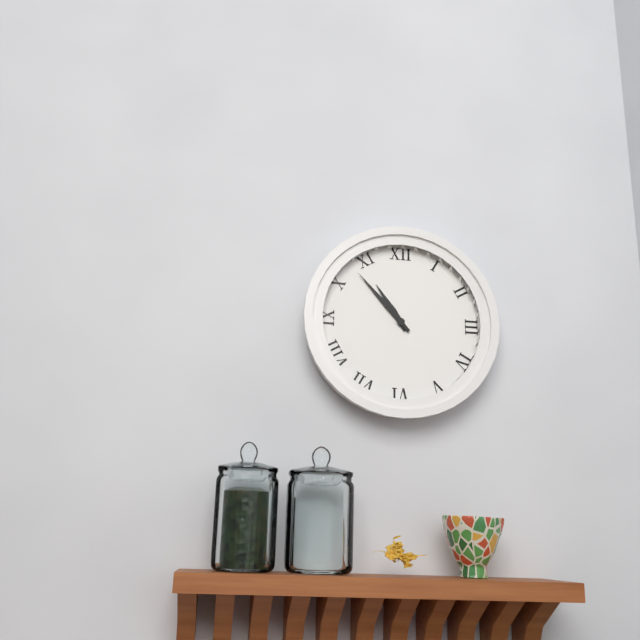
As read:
h=10 m=53
